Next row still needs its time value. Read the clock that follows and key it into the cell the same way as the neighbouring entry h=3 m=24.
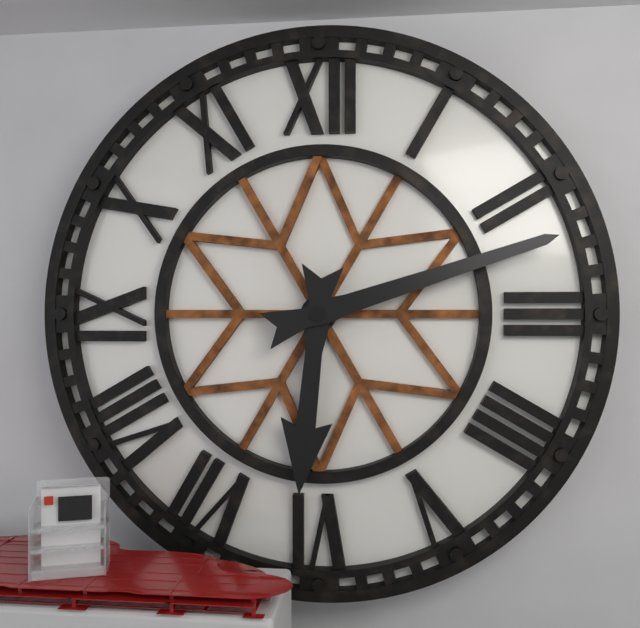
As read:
h=6 m=12
